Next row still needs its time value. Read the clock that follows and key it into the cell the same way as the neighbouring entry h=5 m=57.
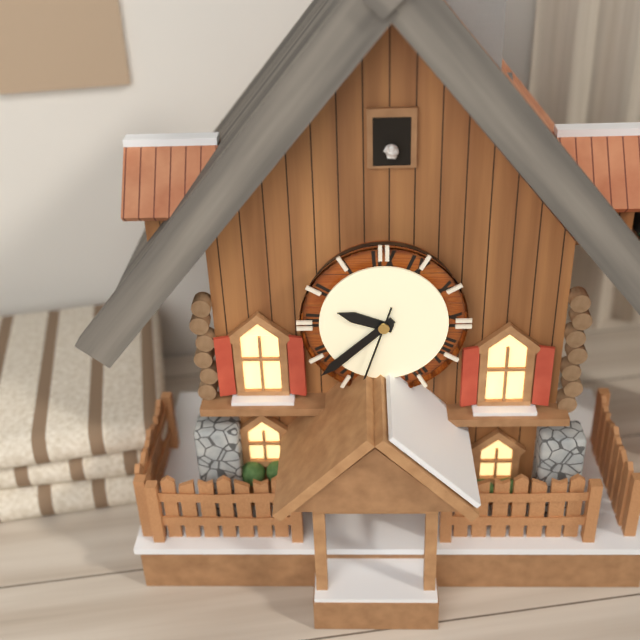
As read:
h=9 m=38
